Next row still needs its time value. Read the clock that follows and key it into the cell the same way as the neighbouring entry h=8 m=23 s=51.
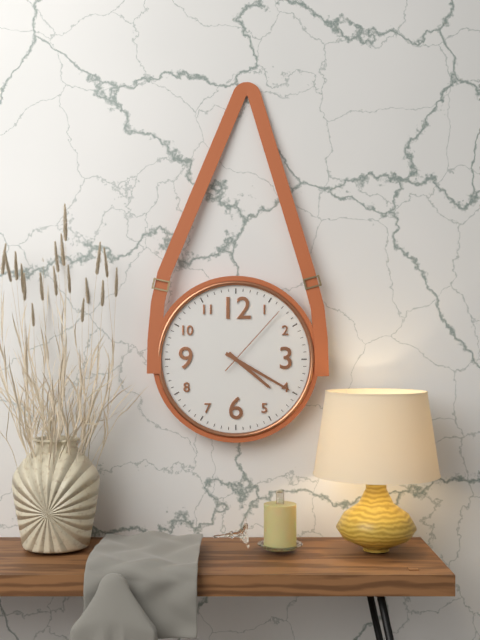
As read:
h=4 m=20 s=7
